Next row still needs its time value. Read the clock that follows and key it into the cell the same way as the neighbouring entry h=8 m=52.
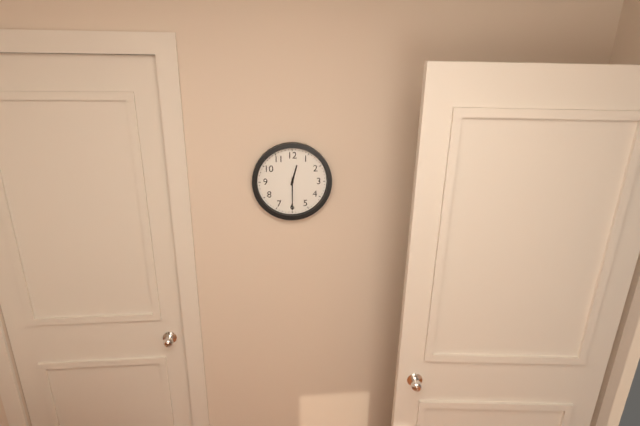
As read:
h=12 m=30
